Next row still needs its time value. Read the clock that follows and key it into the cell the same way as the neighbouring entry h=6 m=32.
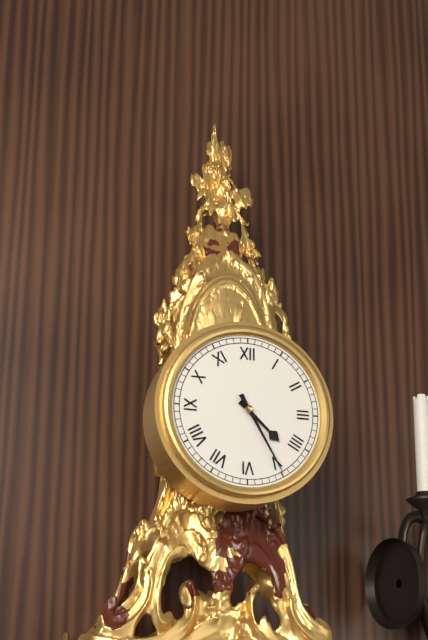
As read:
h=4 m=25
